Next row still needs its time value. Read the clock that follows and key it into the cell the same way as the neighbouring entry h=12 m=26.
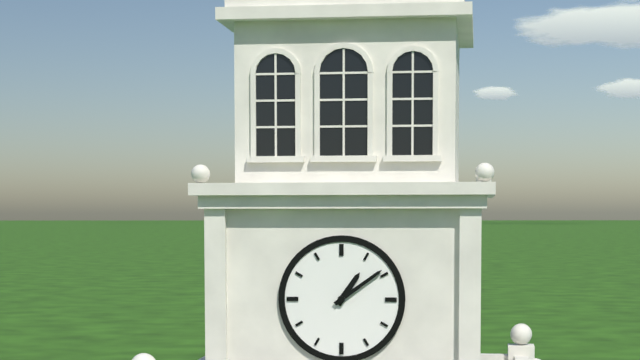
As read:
h=1 m=9
